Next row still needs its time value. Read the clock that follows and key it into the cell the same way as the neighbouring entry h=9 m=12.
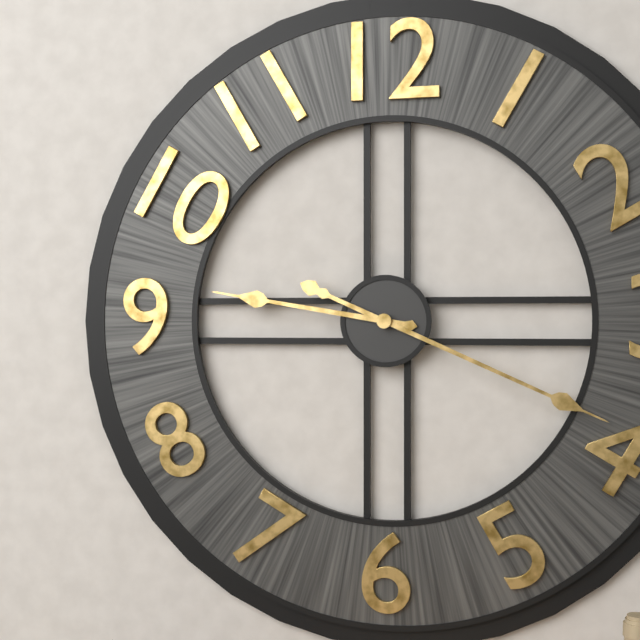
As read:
h=9 m=19
